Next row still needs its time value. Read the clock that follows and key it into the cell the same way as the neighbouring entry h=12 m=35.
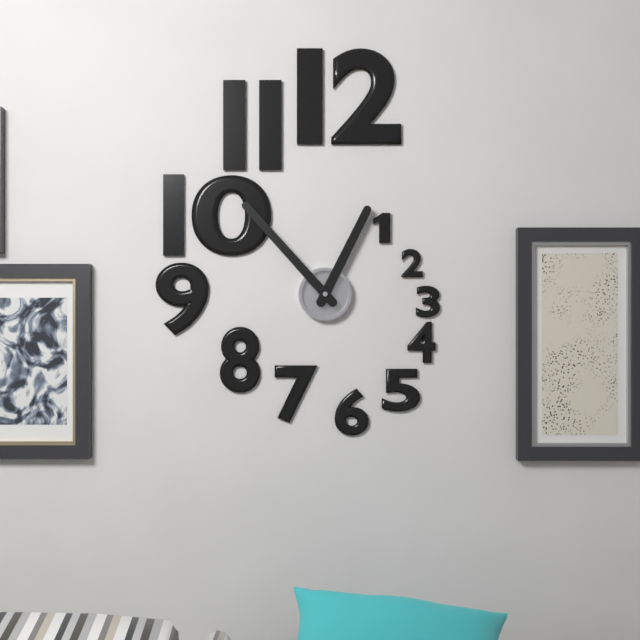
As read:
h=12 m=53
